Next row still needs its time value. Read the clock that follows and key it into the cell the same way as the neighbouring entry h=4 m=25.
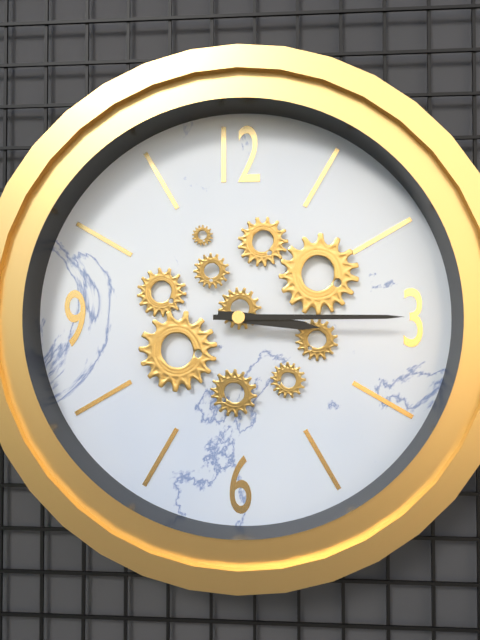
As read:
h=3 m=15
